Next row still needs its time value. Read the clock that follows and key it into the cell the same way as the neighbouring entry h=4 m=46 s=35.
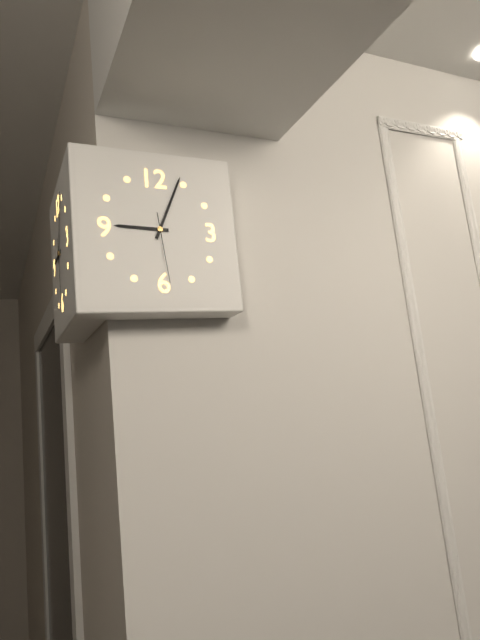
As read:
h=9 m=4 s=29
